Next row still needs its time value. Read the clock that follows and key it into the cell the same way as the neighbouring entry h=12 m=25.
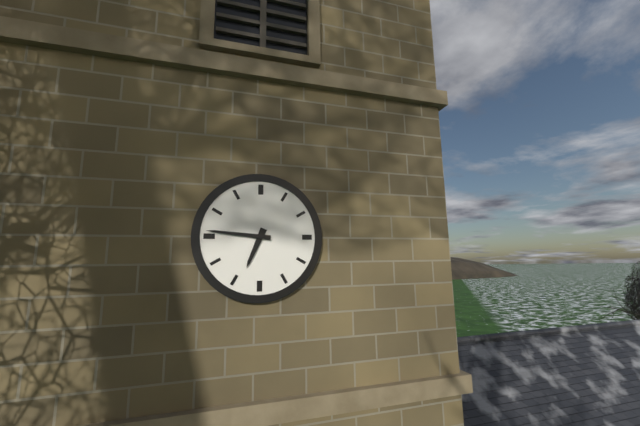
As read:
h=6 m=46
